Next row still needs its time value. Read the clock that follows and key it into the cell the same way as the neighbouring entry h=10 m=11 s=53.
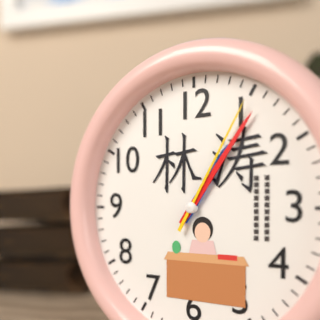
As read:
h=1 m=6 s=5
